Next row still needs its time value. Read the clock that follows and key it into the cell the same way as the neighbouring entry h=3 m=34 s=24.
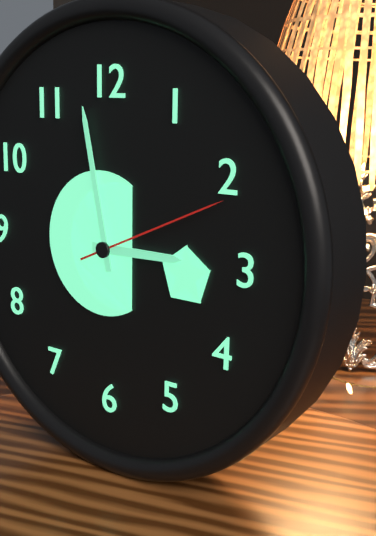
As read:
h=2 m=58 s=11
